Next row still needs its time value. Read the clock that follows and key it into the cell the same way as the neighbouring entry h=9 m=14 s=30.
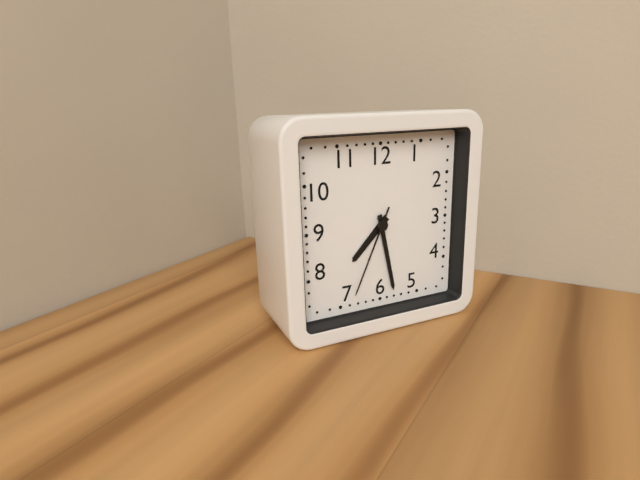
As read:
h=7 m=28 s=34
